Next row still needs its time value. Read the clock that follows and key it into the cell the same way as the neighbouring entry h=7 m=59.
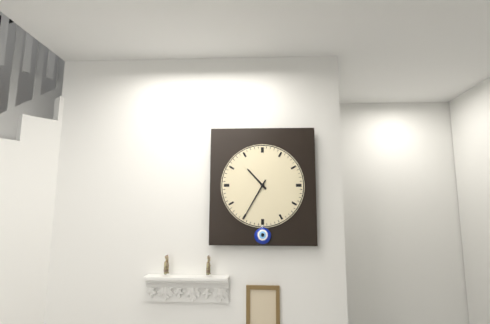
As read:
h=10 m=35
